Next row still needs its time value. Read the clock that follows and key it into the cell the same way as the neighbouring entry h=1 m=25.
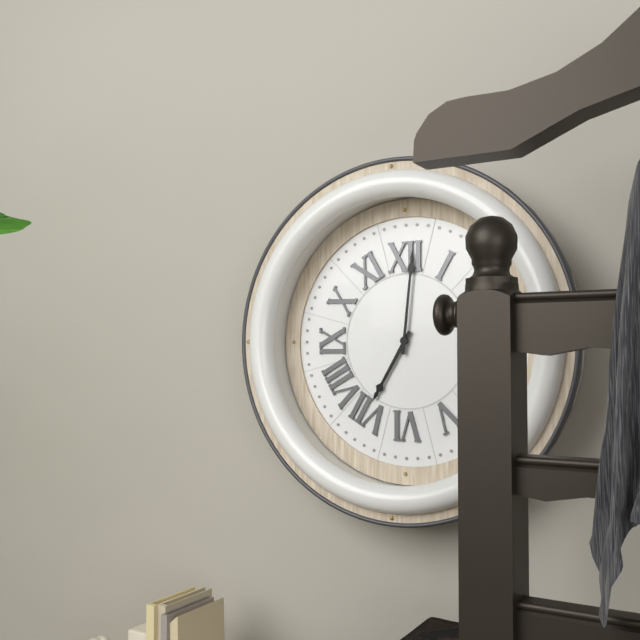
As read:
h=7 m=1
